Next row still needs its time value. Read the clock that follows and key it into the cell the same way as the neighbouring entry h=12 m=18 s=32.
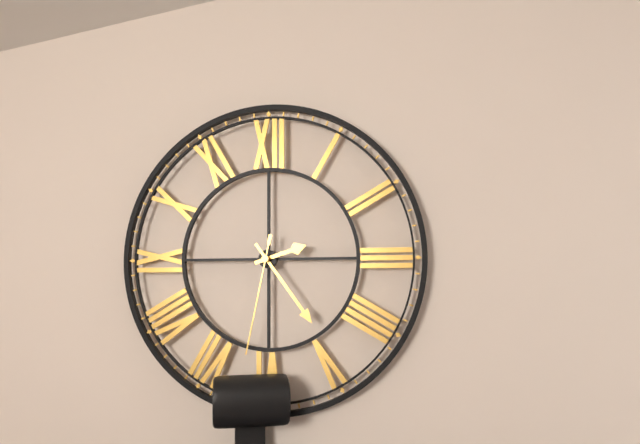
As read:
h=2 m=24 s=32
